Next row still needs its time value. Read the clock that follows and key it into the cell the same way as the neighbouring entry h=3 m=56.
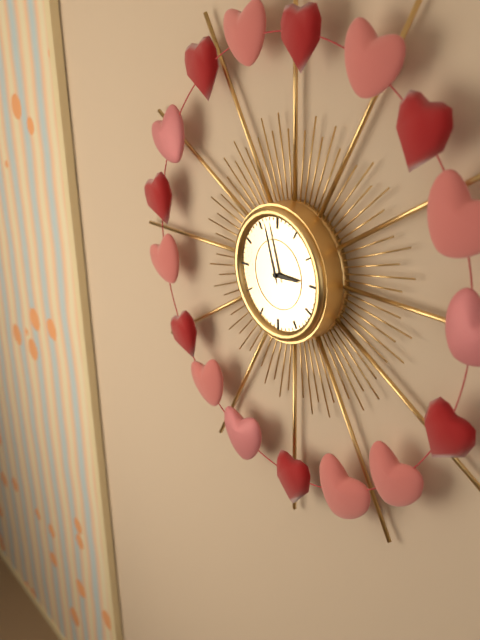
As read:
h=2 m=57
